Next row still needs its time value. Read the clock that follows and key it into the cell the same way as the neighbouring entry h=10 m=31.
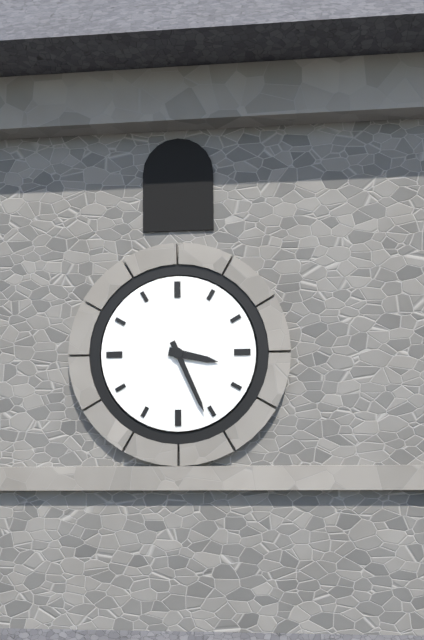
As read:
h=3 m=26
